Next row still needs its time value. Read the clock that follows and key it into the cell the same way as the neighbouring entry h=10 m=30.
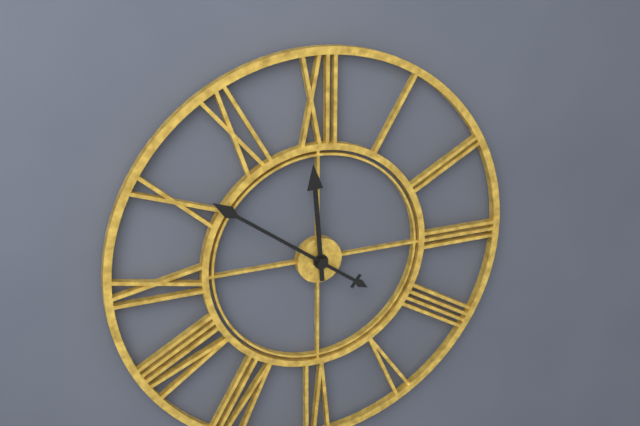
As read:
h=11 m=51
